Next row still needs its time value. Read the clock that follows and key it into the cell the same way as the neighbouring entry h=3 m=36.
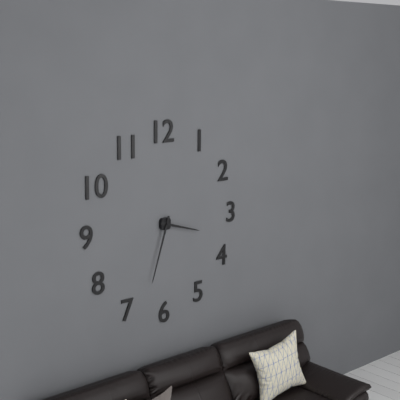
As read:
h=3 m=33
